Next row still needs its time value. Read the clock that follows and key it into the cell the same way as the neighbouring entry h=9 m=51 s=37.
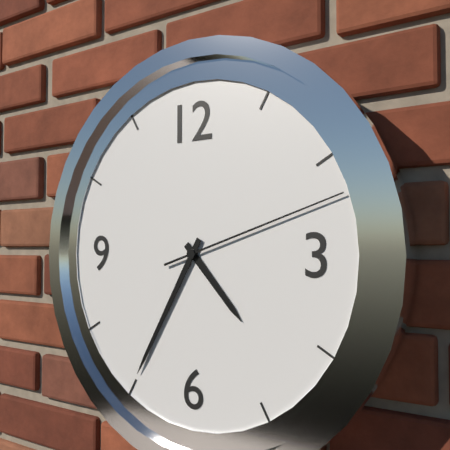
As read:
h=4 m=35 s=12
